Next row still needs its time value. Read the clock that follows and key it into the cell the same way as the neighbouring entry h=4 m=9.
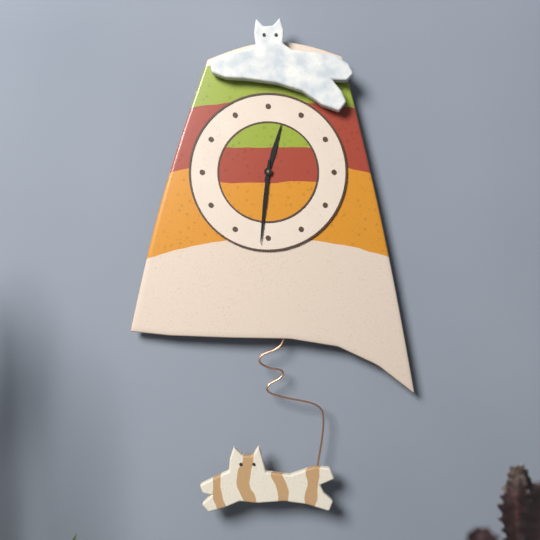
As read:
h=12 m=31
